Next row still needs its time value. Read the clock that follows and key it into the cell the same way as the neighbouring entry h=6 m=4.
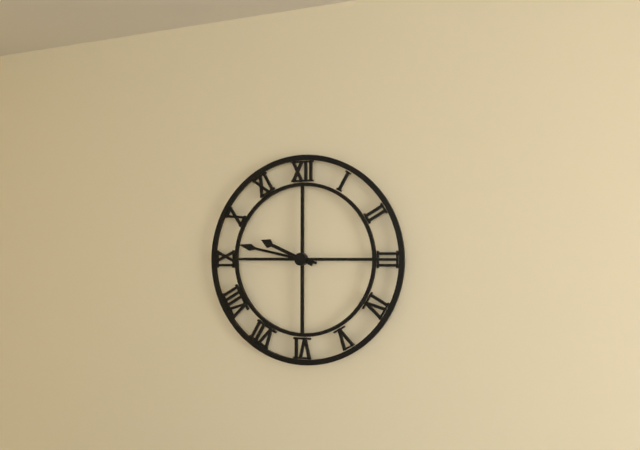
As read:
h=9 m=47
